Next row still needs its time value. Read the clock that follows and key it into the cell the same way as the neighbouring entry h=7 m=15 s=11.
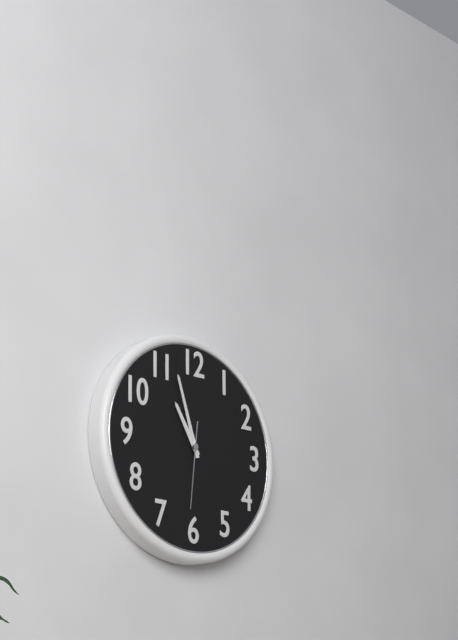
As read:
h=10 m=57 s=31
